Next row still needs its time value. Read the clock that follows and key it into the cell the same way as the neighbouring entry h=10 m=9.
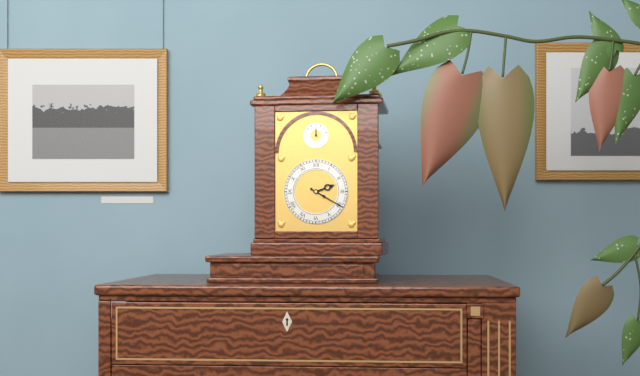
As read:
h=2 m=20
